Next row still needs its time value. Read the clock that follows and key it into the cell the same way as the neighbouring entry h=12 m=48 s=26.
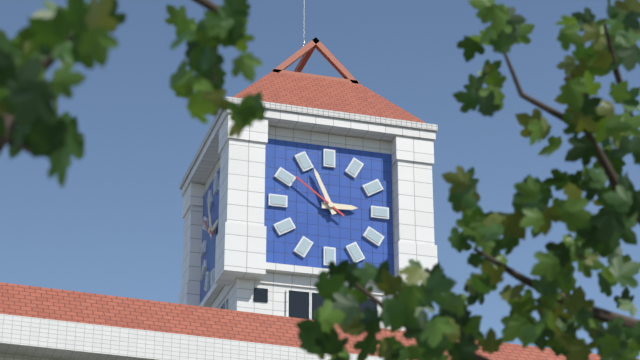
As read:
h=2 m=56 s=51
